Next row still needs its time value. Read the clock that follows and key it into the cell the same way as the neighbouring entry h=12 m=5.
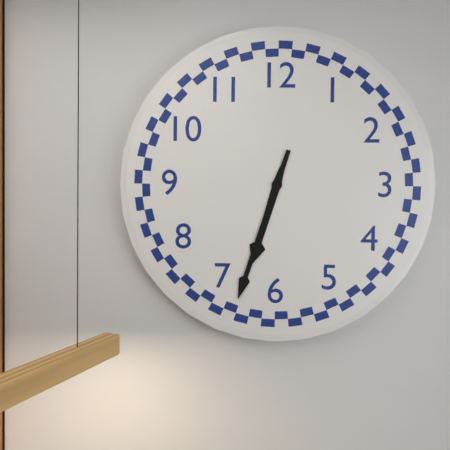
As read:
h=6 m=33
